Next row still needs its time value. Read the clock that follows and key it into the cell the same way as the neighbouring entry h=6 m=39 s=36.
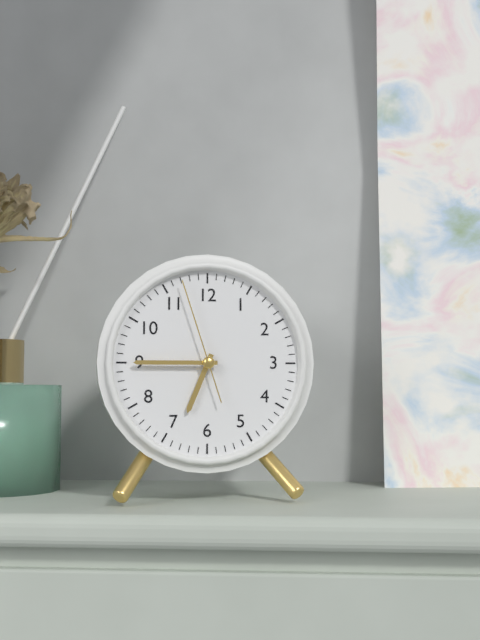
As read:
h=6 m=45 s=57
